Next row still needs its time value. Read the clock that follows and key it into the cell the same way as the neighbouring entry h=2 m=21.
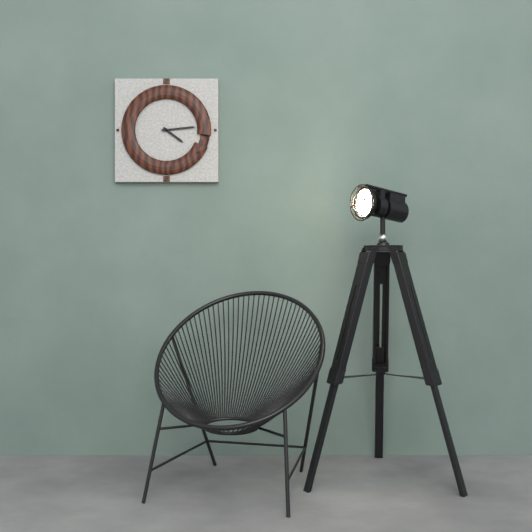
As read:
h=4 m=14
